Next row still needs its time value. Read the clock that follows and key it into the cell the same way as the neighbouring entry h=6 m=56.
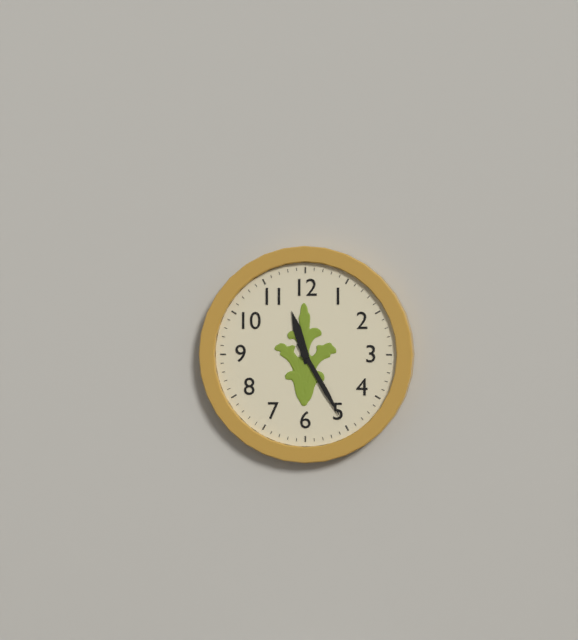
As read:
h=11 m=25
